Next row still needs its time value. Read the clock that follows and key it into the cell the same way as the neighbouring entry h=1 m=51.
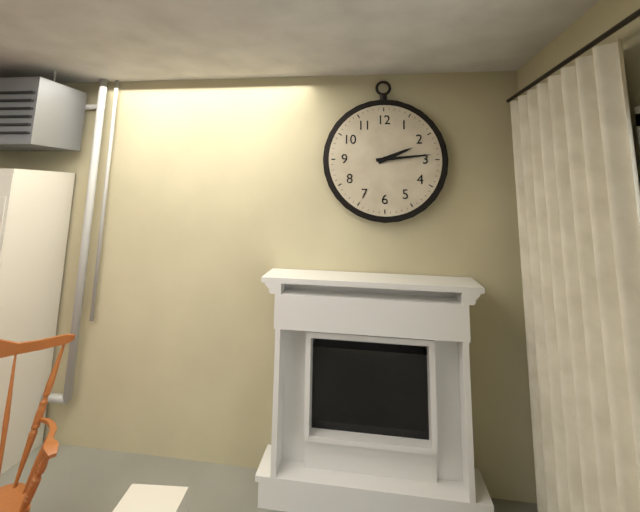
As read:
h=2 m=14
